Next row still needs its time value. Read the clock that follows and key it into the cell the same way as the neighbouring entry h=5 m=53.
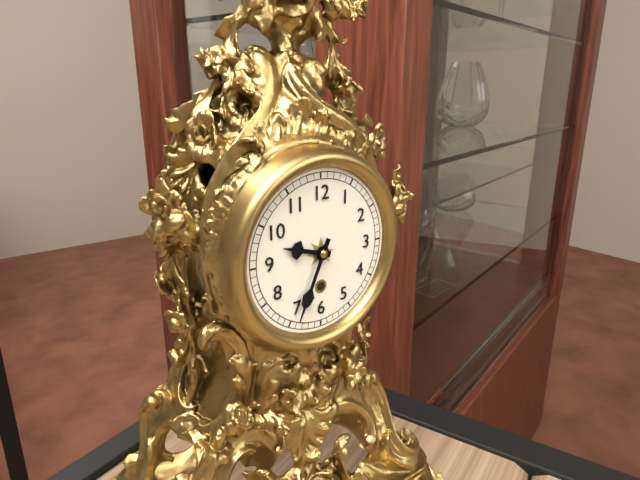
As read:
h=9 m=34
